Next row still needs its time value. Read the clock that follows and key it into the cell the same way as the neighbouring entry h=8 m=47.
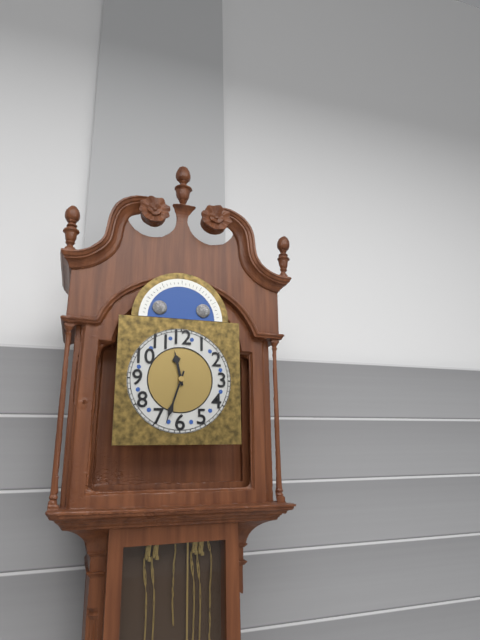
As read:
h=11 m=33
